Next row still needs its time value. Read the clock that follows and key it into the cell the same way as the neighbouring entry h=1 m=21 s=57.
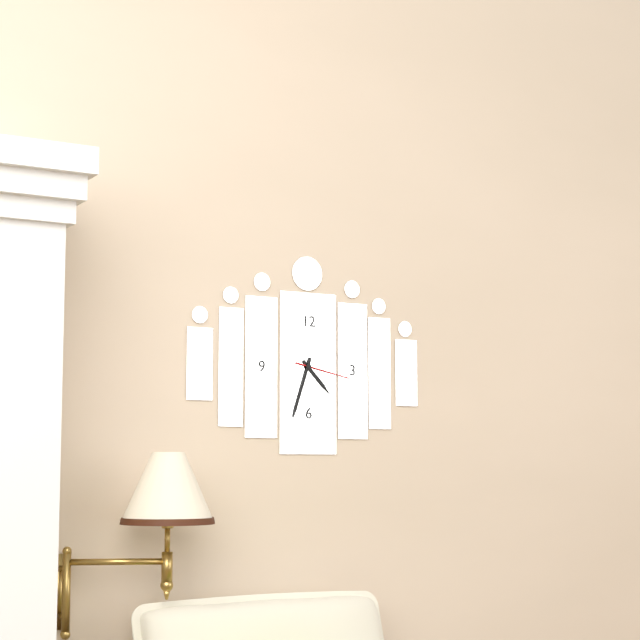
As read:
h=4 m=33 s=17
